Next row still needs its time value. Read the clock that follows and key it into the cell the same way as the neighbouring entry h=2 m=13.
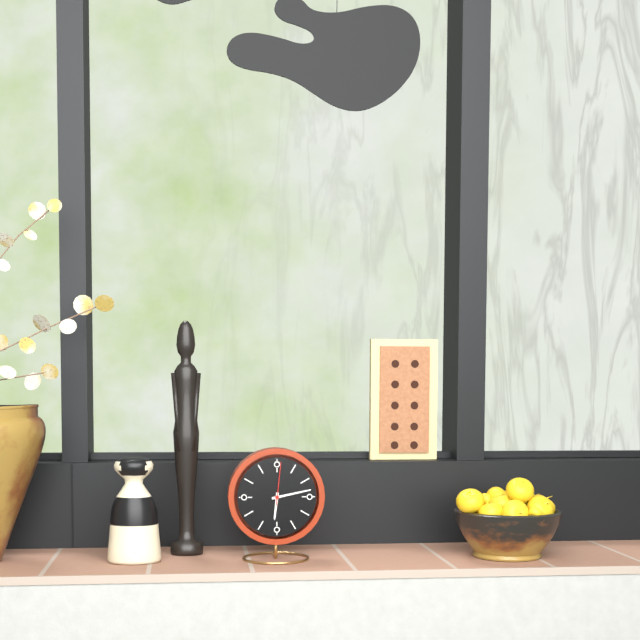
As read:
h=6 m=13
